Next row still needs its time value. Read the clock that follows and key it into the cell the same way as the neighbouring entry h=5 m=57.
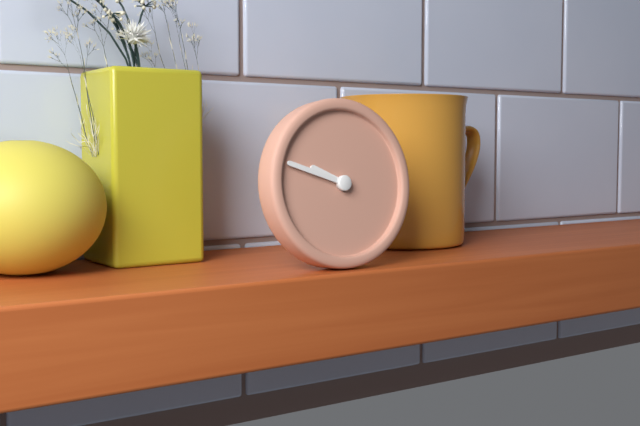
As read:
h=9 m=48
